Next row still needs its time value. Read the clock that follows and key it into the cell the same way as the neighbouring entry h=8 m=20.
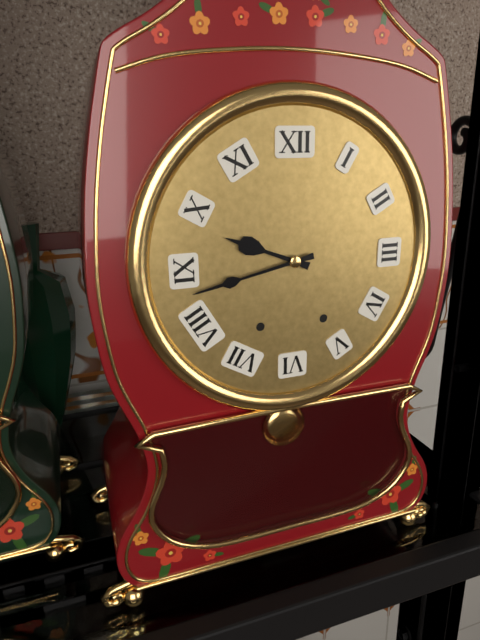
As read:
h=9 m=43
